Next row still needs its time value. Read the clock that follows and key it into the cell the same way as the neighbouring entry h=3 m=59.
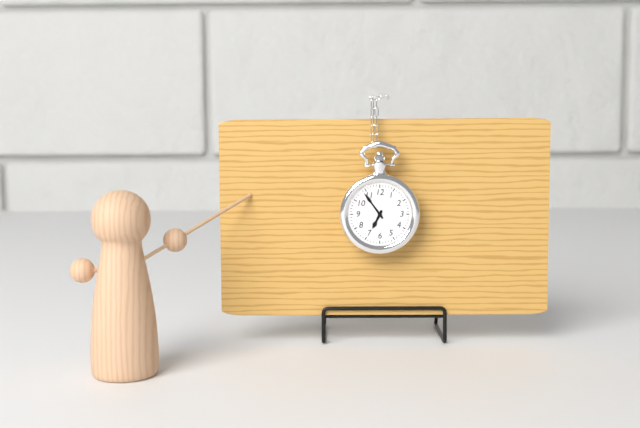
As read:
h=6 m=54
